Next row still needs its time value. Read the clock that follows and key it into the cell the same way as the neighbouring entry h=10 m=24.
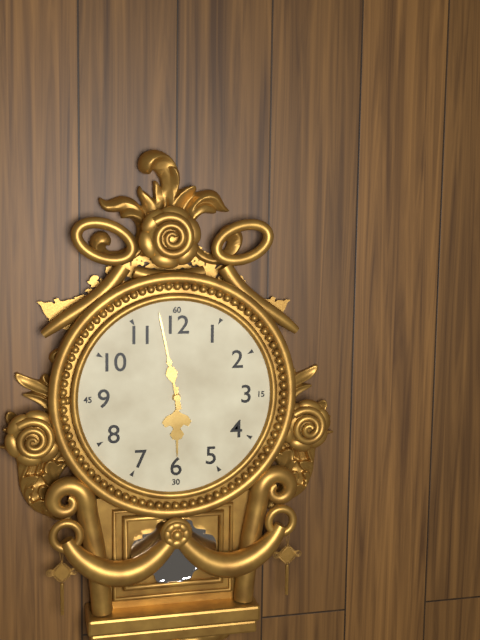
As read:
h=5 m=58
